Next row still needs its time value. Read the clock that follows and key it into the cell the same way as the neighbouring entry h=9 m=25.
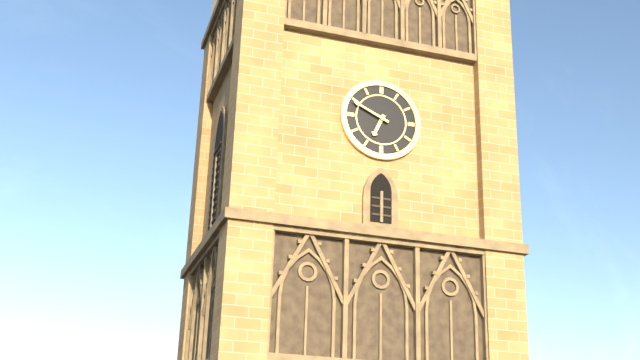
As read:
h=6 m=49
